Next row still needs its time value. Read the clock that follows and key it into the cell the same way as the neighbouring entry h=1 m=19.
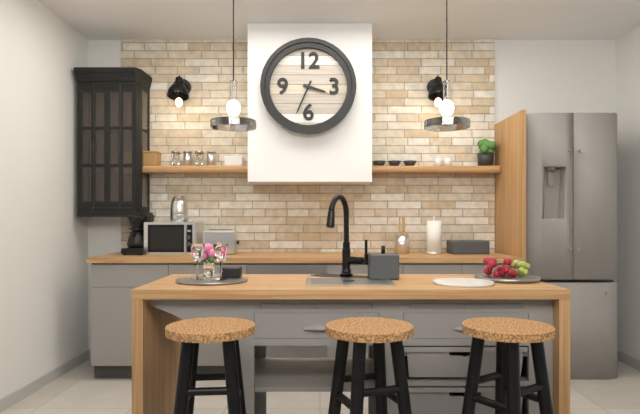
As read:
h=3 m=34
